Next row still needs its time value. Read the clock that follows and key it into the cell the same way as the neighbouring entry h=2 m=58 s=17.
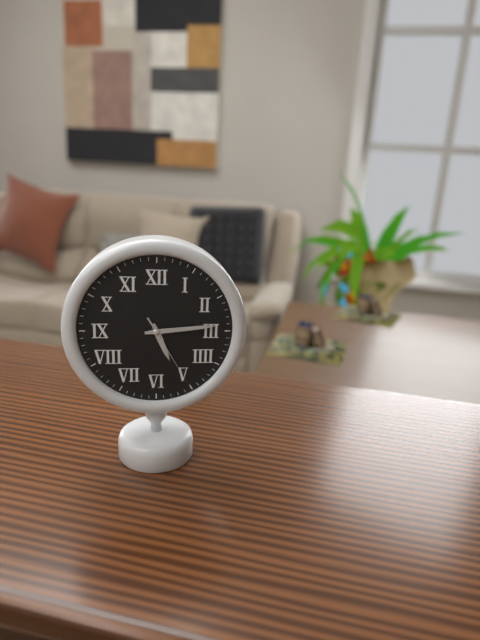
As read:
h=5 m=14 s=25
